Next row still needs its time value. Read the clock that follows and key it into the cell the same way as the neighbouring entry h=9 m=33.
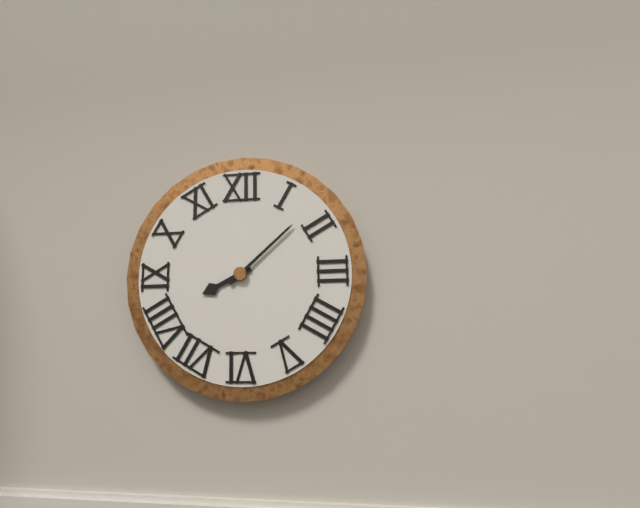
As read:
h=8 m=8
